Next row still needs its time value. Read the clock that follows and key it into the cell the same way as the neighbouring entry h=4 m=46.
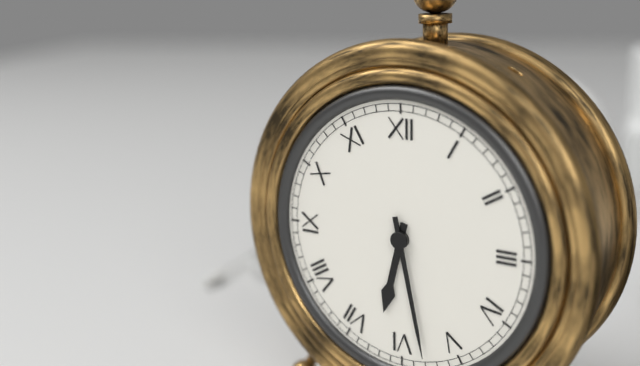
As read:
h=6 m=28
